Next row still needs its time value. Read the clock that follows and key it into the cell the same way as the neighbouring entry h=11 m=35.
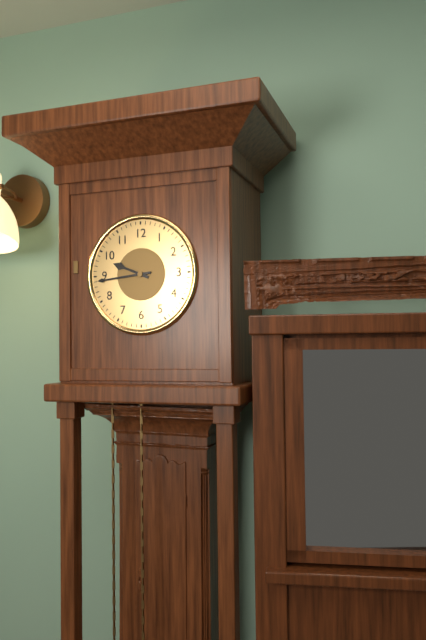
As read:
h=9 m=44
